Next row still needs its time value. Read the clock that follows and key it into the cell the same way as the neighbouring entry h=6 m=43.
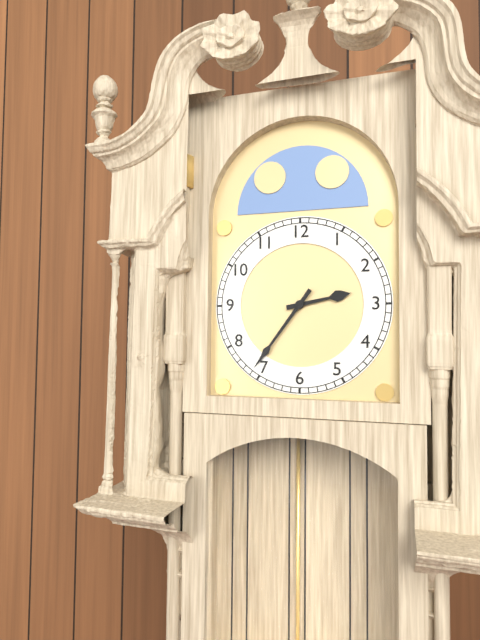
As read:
h=2 m=36
